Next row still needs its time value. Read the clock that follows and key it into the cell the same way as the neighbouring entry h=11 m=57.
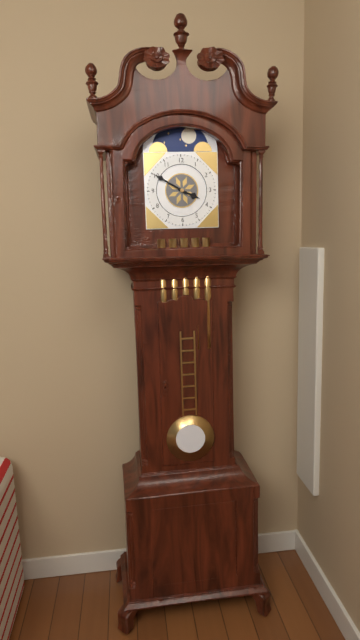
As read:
h=3 m=50
